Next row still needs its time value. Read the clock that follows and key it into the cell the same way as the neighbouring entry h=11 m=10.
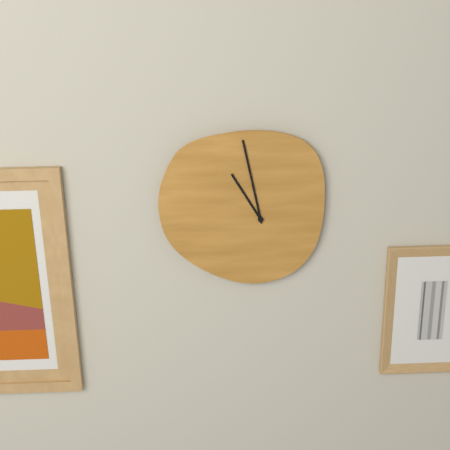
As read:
h=10 m=58
